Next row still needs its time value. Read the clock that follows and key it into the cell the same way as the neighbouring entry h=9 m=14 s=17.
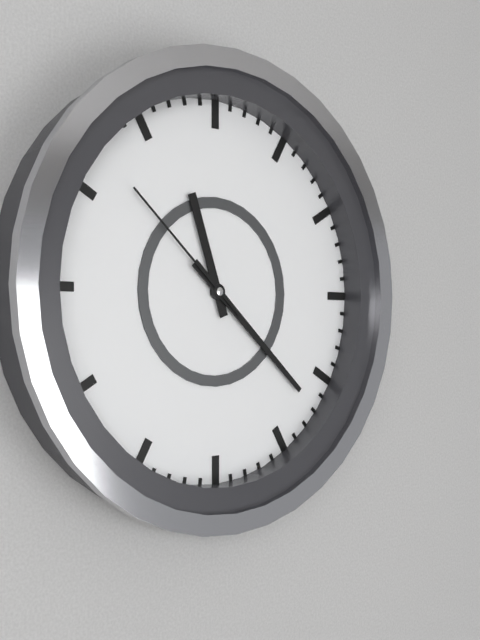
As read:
h=11 m=22 s=52
